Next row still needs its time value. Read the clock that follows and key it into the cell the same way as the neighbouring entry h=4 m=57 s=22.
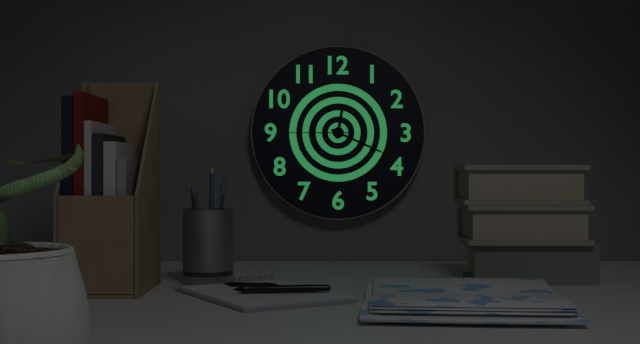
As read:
h=12 m=19 s=45
